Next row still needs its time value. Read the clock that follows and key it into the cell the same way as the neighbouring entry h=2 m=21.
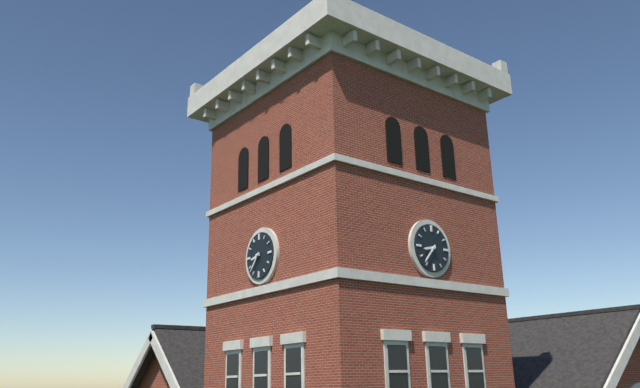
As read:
h=8 m=37
